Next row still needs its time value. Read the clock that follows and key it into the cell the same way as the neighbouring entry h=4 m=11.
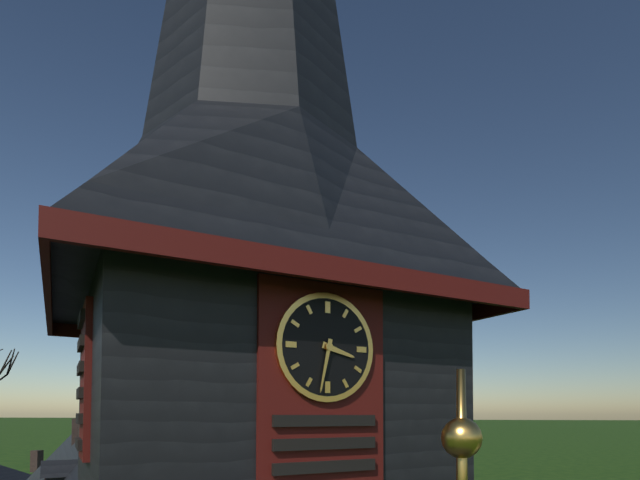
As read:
h=3 m=32
